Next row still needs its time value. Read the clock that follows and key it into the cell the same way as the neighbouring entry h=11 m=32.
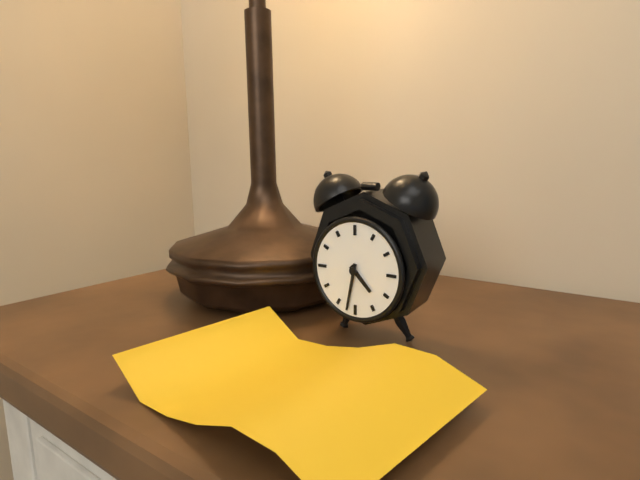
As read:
h=4 m=32
